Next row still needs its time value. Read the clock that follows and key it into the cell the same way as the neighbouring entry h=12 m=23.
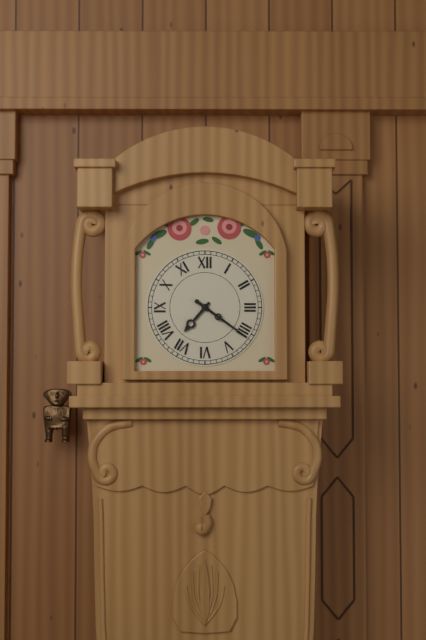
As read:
h=7 m=21
